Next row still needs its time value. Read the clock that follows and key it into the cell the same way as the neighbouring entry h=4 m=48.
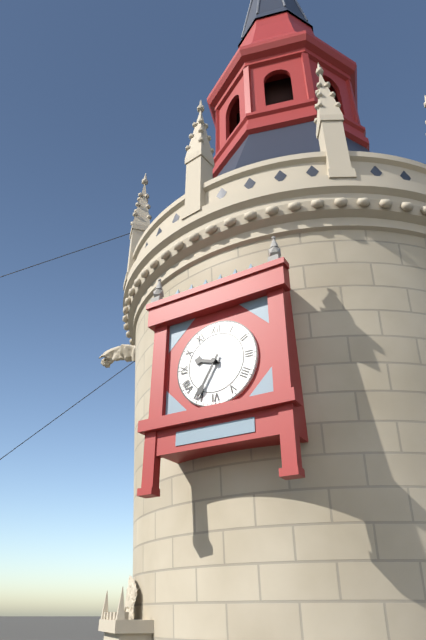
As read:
h=9 m=35
